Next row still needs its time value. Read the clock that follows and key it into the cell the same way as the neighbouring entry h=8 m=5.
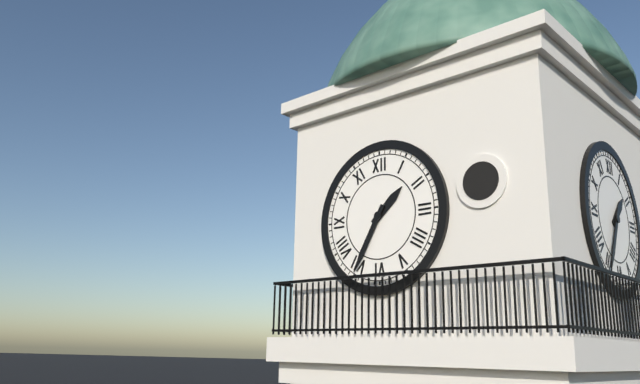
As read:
h=1 m=35
